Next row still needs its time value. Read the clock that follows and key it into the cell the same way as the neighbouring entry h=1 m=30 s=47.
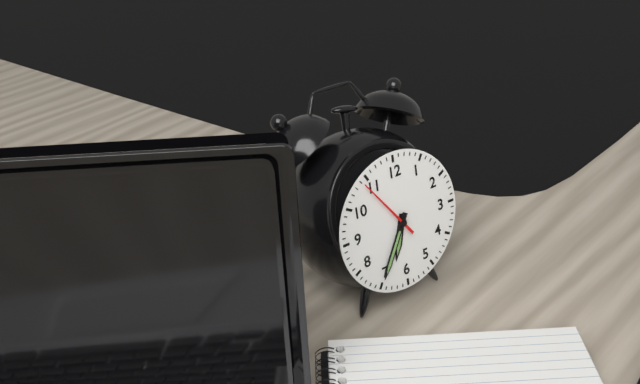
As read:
h=6 m=35 s=54
